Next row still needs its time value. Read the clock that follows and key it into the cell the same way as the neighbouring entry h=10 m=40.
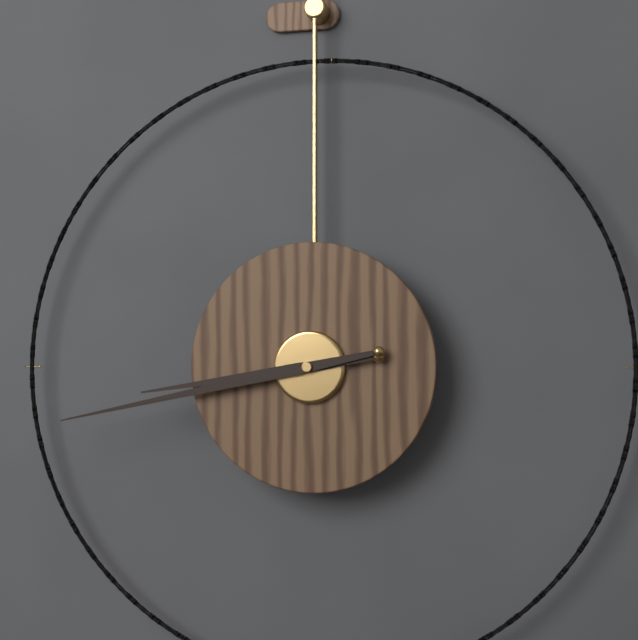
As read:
h=8 m=43
